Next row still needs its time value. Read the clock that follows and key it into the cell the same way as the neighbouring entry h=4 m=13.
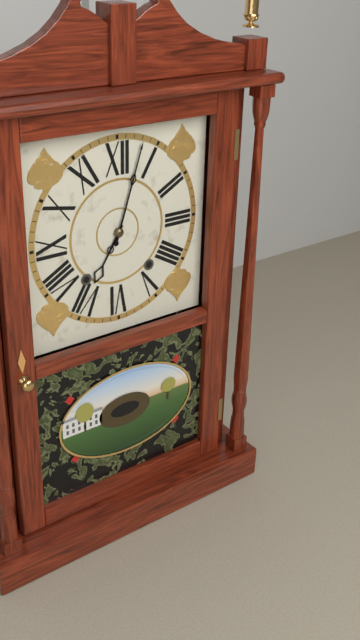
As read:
h=7 m=3
